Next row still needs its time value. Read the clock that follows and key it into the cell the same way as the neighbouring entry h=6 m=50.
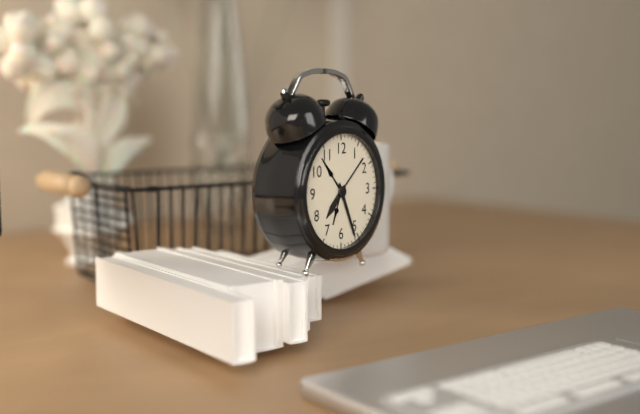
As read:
h=7 m=26
